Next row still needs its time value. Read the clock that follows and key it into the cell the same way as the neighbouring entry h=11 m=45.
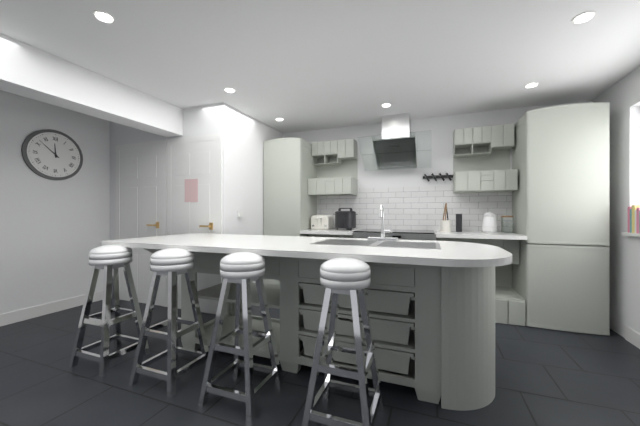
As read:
h=11 m=52
